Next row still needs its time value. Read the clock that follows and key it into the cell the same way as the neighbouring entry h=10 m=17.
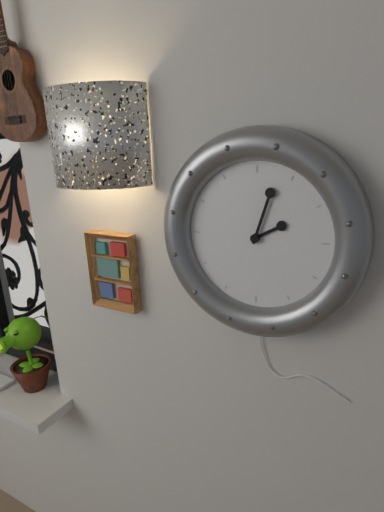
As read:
h=2 m=3
